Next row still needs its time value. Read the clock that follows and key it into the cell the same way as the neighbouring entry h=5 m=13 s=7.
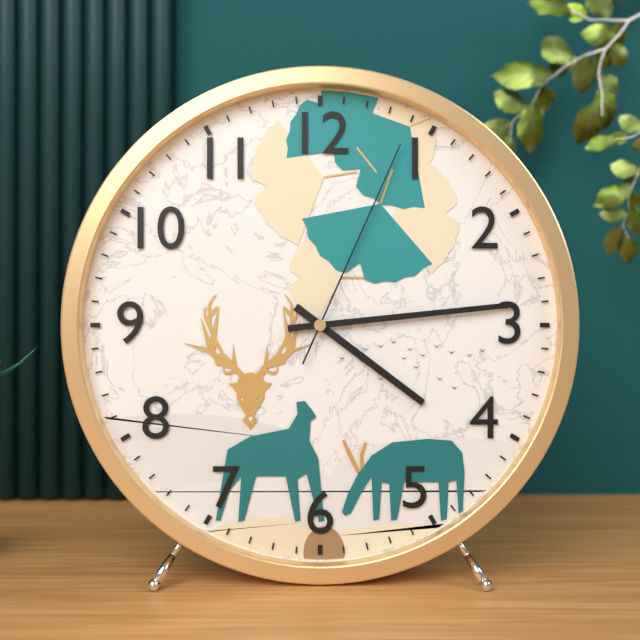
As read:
h=4 m=14 s=4
